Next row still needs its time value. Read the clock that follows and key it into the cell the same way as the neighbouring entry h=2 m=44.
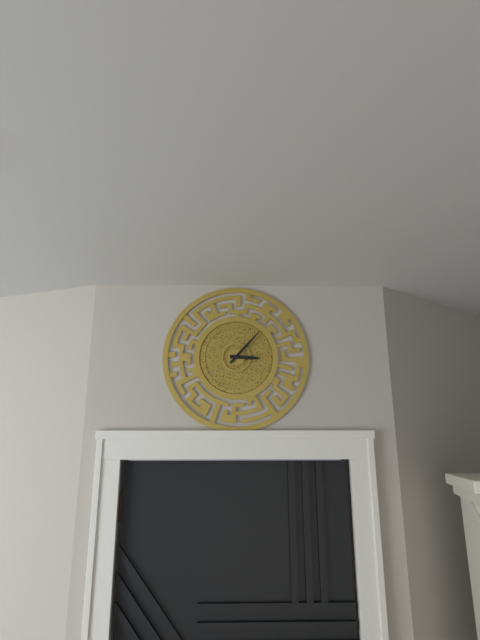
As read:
h=3 m=7
